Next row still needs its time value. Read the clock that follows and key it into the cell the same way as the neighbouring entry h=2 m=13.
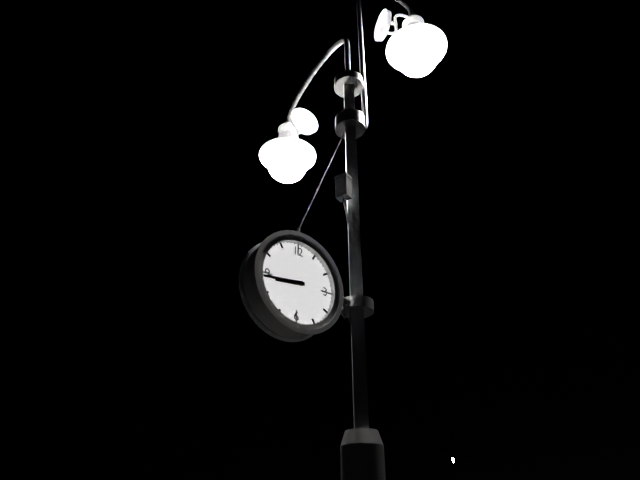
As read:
h=8 m=44
